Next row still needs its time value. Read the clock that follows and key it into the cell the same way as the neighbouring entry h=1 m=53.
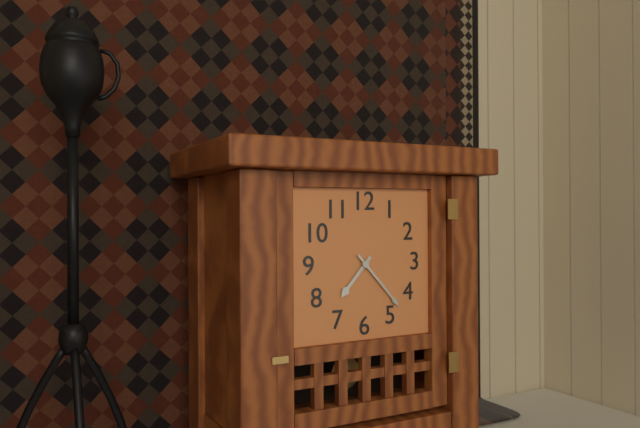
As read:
h=7 m=23
